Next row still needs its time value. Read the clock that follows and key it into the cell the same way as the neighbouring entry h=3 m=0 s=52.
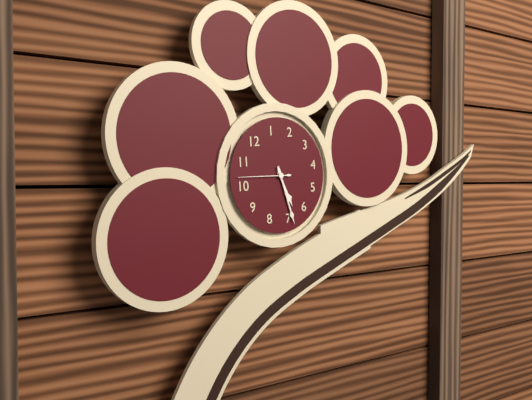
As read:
h=6 m=34 s=52
